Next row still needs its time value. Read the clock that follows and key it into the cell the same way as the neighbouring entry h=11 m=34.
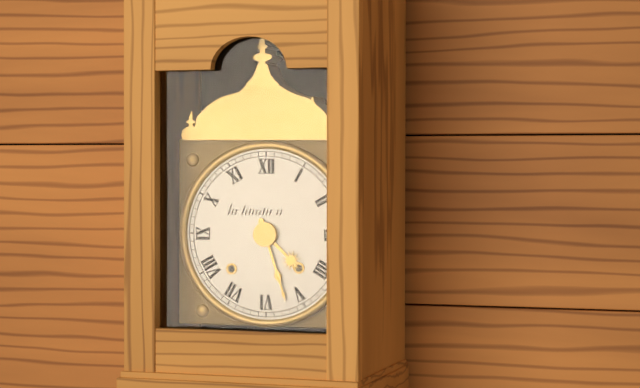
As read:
h=4 m=27
